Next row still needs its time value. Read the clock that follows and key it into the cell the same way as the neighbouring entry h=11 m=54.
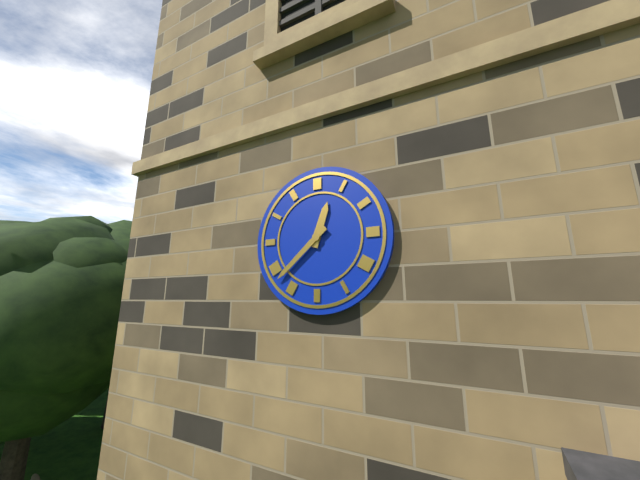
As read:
h=12 m=38
